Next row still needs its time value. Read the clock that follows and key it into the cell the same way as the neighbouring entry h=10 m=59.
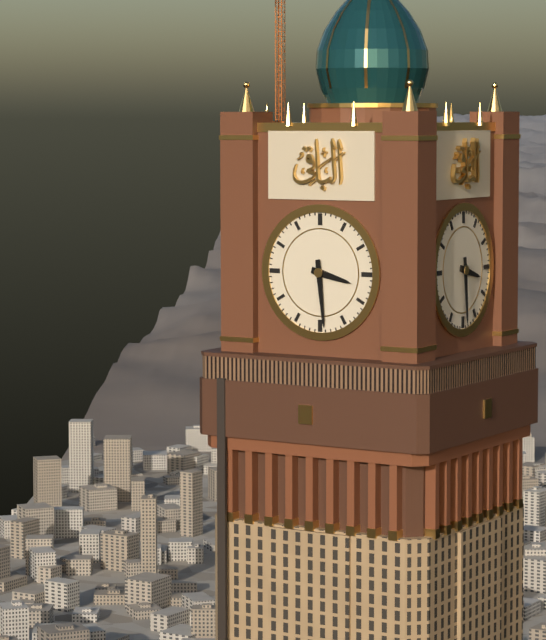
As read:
h=3 m=29
